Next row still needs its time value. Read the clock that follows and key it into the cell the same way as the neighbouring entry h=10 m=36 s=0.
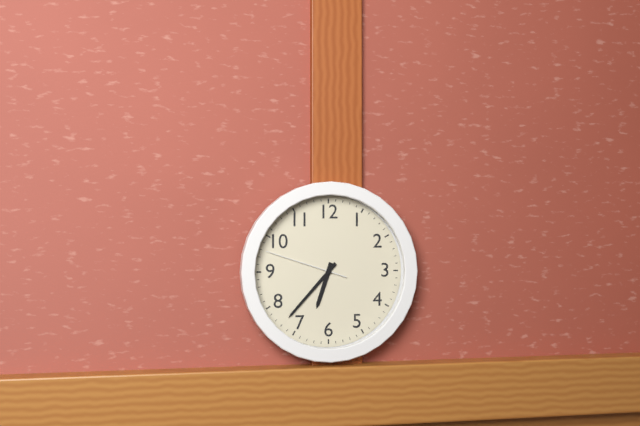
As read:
h=6 m=37 s=48
